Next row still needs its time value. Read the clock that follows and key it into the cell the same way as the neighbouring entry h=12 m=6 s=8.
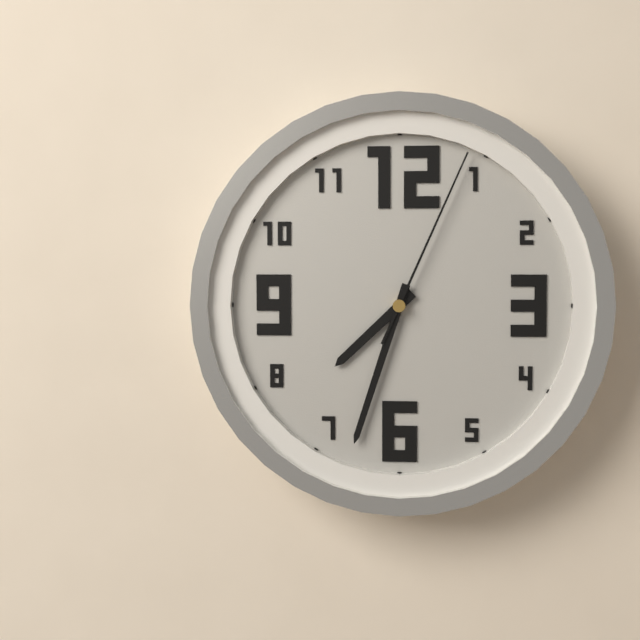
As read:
h=7 m=33 s=4
